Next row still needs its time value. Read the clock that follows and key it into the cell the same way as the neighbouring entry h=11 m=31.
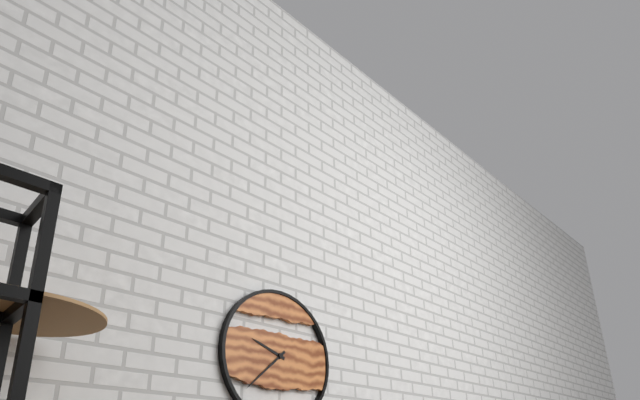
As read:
h=9 m=38
